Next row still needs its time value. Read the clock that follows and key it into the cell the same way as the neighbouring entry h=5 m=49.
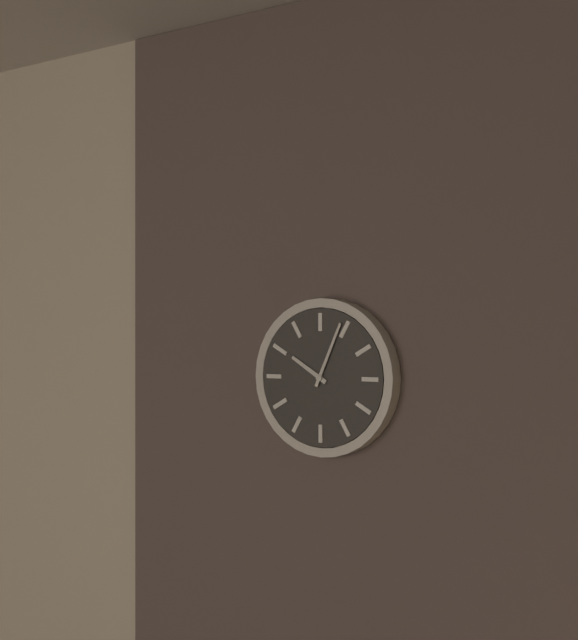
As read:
h=10 m=4
